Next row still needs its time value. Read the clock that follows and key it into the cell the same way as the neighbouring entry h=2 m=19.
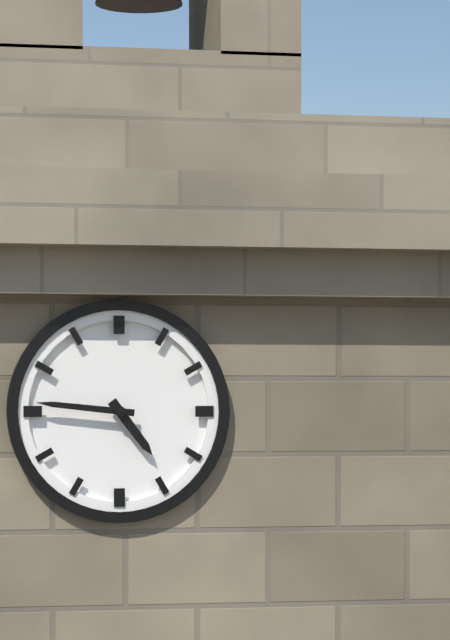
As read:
h=4 m=46
